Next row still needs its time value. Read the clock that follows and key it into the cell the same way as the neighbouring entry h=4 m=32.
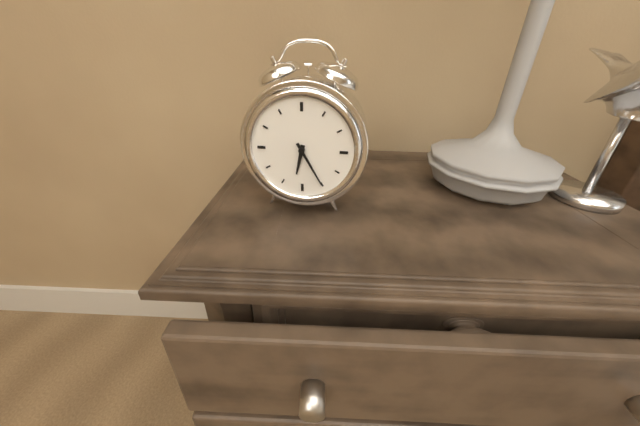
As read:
h=6 m=25
